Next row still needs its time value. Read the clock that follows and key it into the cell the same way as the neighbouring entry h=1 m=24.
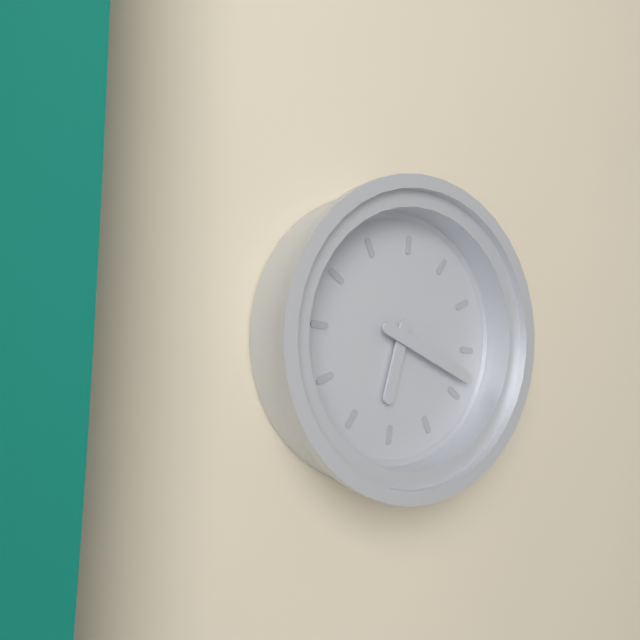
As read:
h=6 m=18
